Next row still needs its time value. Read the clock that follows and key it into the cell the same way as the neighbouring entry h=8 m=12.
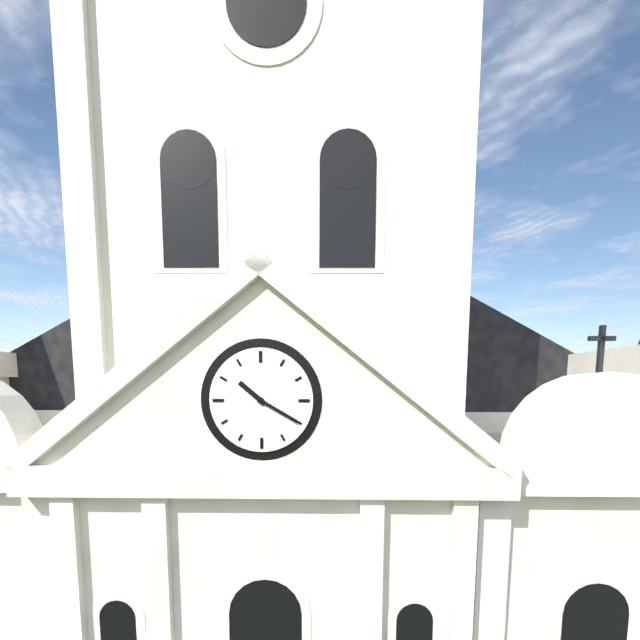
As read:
h=10 m=20
